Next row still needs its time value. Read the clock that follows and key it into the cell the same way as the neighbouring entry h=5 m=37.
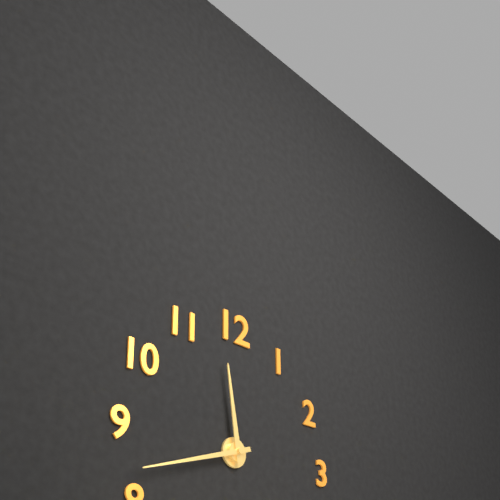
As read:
h=11 m=42
